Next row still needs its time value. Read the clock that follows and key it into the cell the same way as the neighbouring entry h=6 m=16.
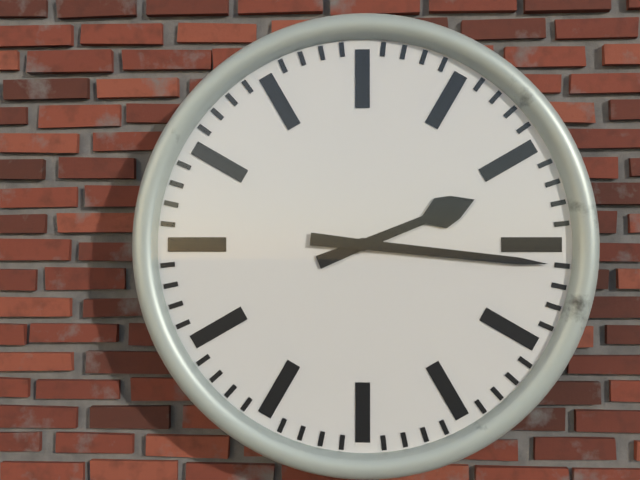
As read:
h=2 m=16
